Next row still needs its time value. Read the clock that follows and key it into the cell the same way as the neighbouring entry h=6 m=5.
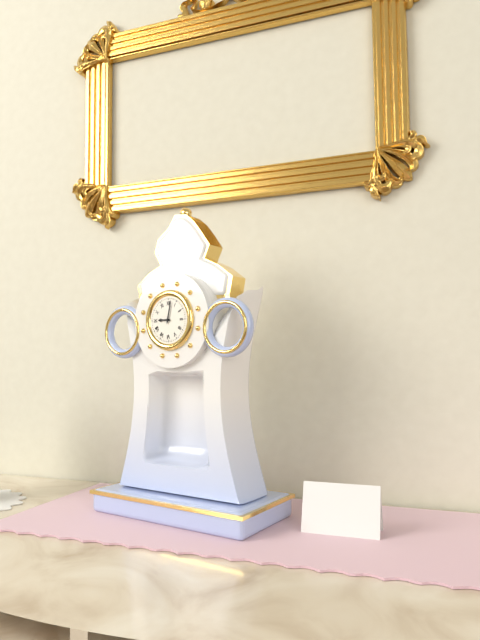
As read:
h=9 m=2
